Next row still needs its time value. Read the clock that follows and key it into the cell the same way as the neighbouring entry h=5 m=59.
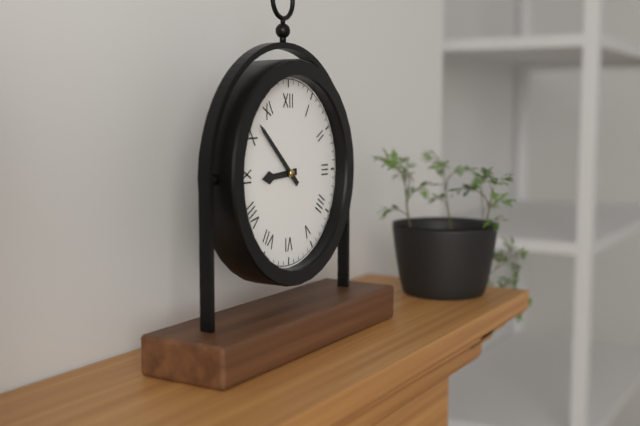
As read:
h=8 m=52
